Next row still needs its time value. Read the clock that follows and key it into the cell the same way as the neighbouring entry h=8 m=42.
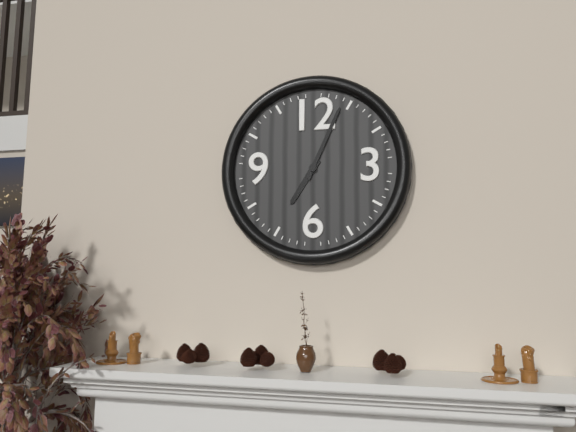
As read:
h=7 m=4
